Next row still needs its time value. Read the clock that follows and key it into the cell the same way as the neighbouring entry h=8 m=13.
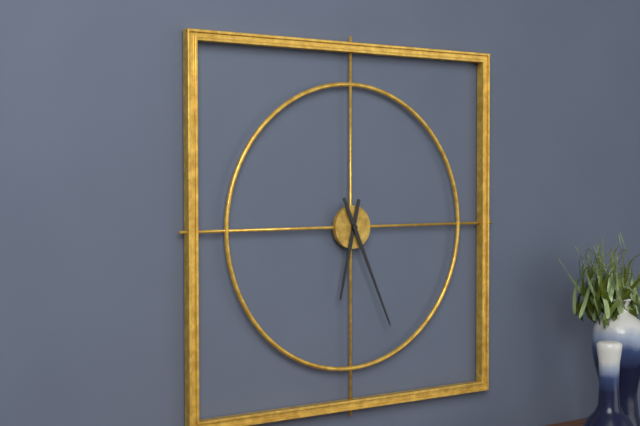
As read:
h=6 m=26
